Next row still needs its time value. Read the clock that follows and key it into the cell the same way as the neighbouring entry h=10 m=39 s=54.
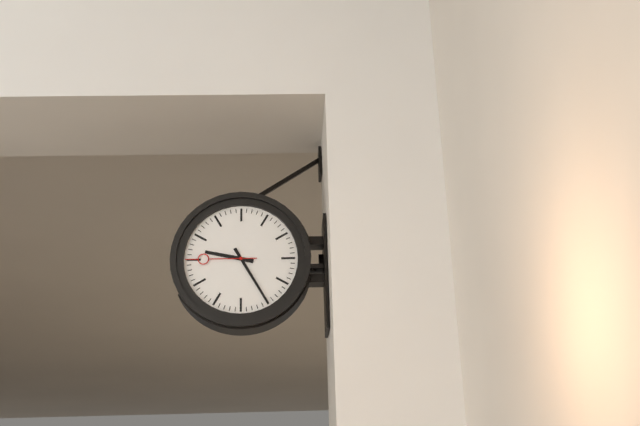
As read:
h=9 m=25 s=45
